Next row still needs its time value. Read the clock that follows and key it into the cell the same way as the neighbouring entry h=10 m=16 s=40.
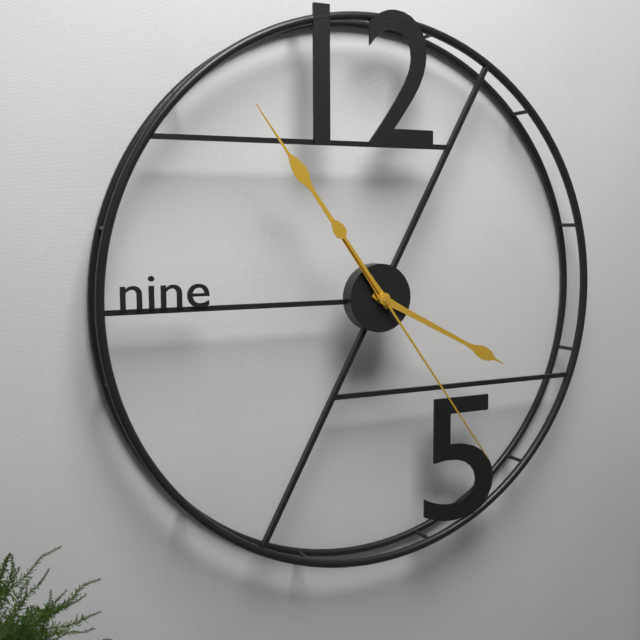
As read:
h=3 m=54 s=24
